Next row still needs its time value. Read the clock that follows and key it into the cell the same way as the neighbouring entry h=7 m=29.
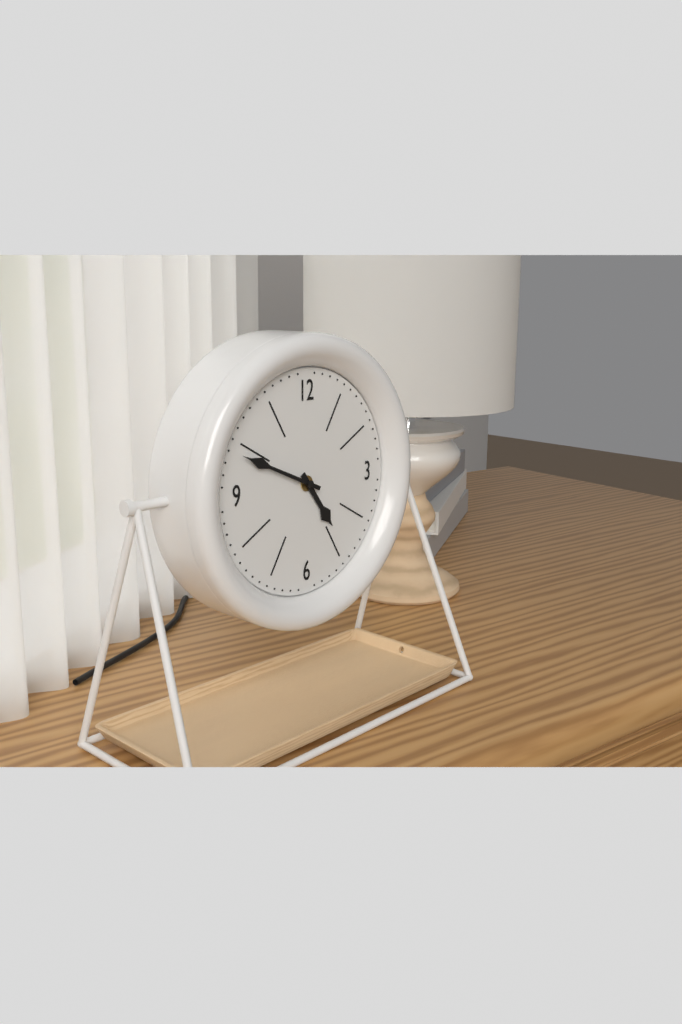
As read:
h=4 m=49
